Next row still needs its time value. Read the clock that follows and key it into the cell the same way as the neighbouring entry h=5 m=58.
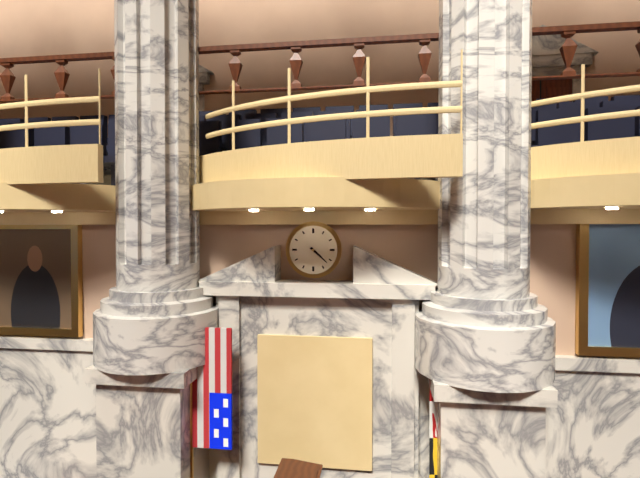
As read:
h=4 m=22
